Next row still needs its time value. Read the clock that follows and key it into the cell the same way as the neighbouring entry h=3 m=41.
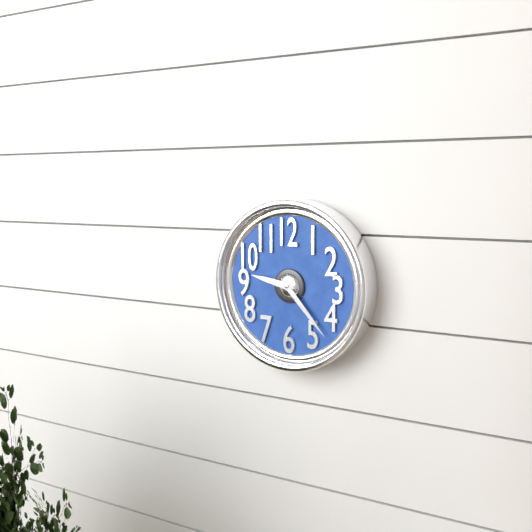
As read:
h=9 m=23
